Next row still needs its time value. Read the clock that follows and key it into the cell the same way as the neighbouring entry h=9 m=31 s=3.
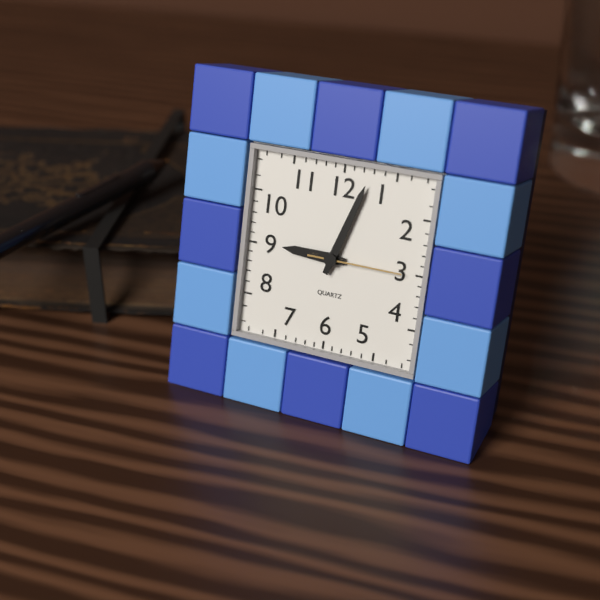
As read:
h=9 m=3 s=15
